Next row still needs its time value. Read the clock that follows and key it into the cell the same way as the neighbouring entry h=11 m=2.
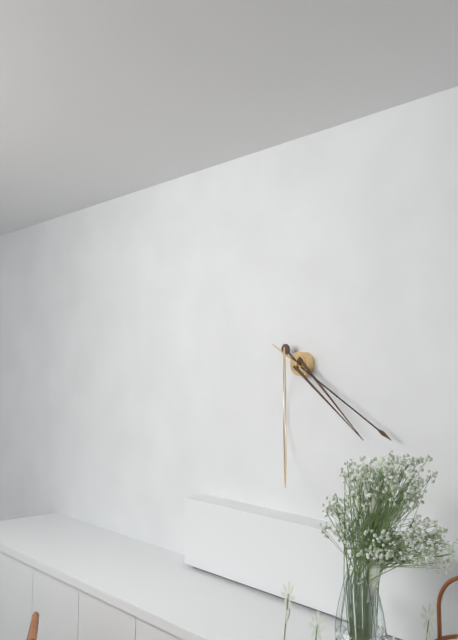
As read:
h=4 m=20
